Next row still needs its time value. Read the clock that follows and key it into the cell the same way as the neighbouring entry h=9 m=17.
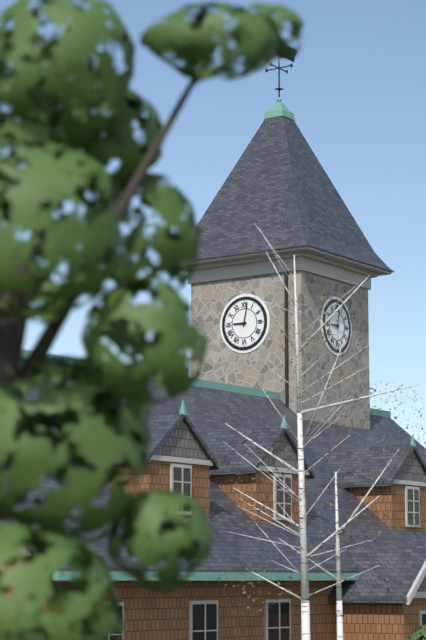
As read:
h=9 m=2
